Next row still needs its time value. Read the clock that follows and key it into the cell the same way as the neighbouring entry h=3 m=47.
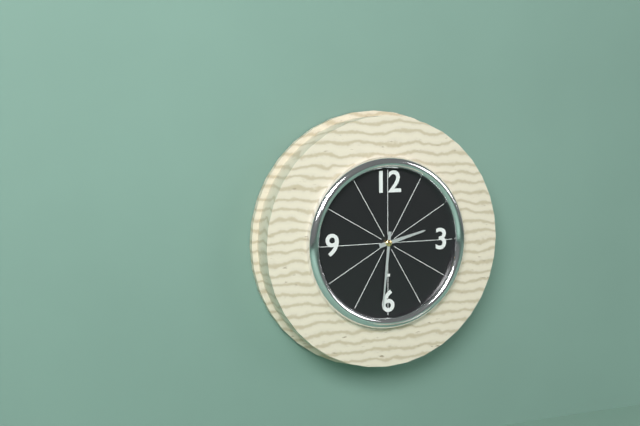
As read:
h=2 m=31
